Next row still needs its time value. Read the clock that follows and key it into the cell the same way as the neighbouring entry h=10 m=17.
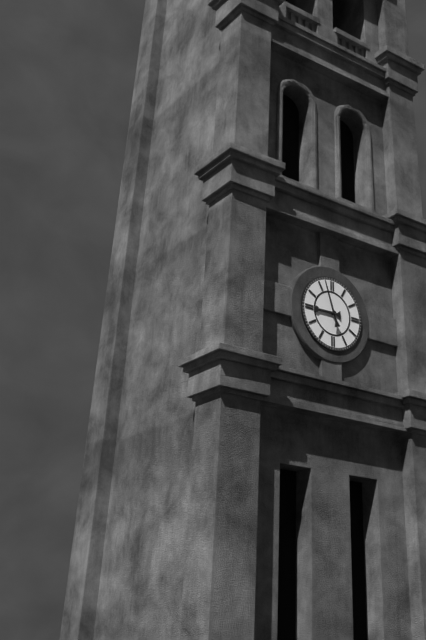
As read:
h=8 m=57
